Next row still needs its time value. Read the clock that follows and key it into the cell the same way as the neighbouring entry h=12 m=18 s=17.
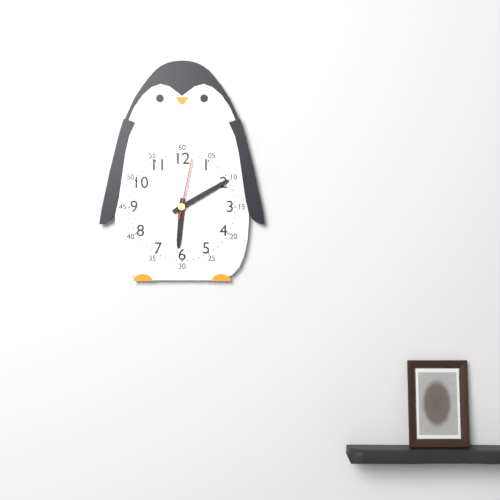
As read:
h=6 m=10 s=2
